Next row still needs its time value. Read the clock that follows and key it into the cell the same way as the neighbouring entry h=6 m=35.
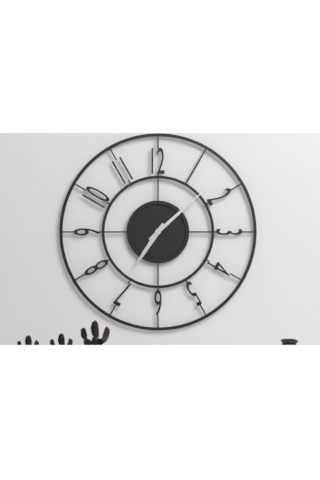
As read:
h=7 m=8
